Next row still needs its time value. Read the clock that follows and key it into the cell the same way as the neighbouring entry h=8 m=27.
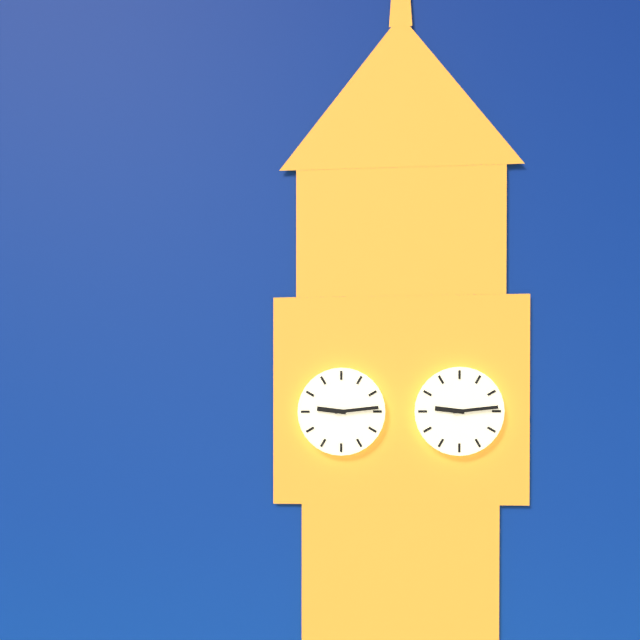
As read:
h=9 m=14
